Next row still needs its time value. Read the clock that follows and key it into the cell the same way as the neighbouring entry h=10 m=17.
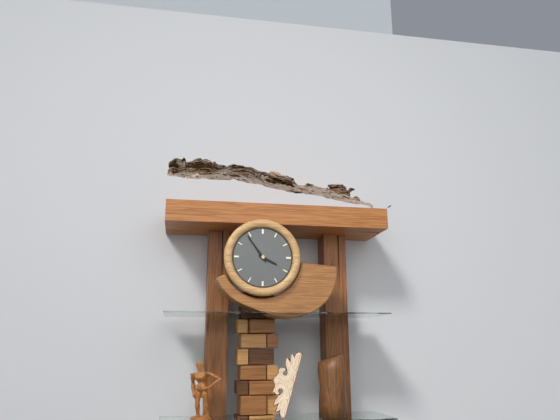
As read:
h=3 m=54
